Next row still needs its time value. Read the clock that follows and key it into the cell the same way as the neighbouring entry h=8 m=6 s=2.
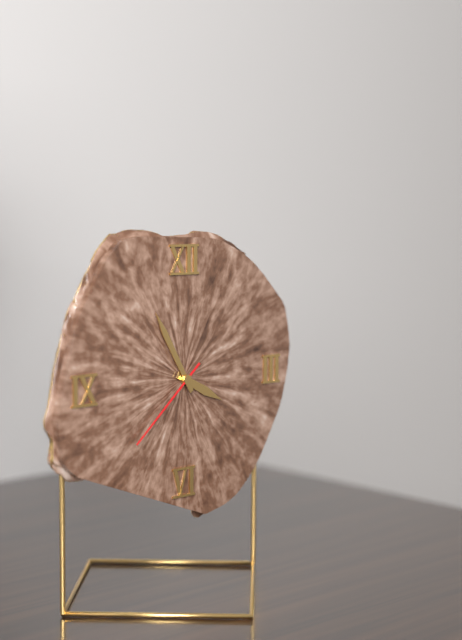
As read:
h=3 m=55 s=38
